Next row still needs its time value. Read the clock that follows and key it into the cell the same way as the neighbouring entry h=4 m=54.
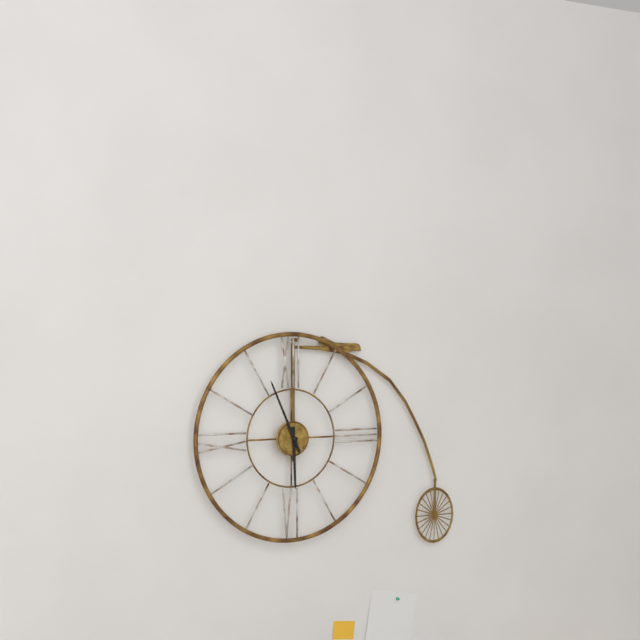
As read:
h=5 m=56
